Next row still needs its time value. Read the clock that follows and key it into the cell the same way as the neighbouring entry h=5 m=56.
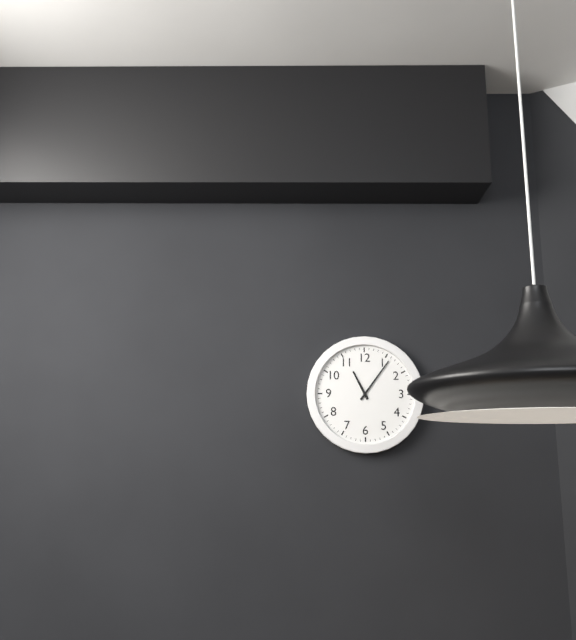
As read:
h=11 m=6
